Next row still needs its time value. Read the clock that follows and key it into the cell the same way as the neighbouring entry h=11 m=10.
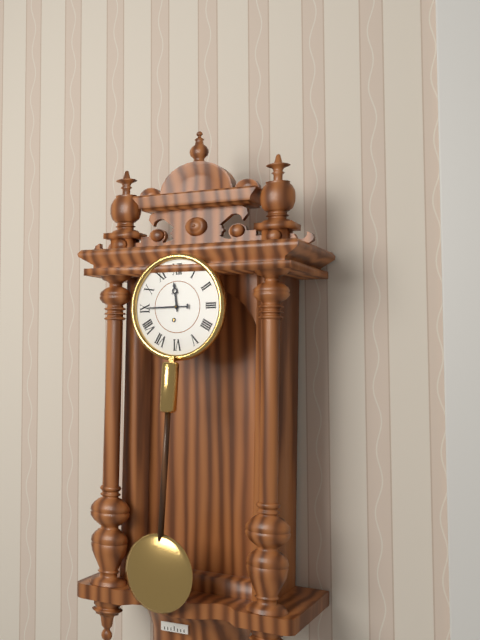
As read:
h=11 m=45
